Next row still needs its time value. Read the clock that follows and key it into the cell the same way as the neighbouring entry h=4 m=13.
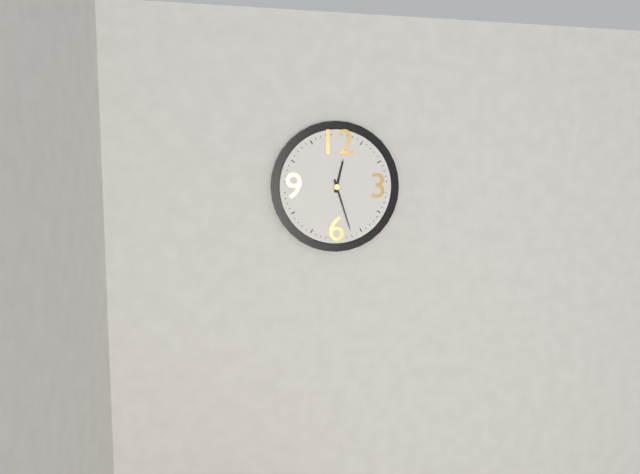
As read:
h=12 m=27
